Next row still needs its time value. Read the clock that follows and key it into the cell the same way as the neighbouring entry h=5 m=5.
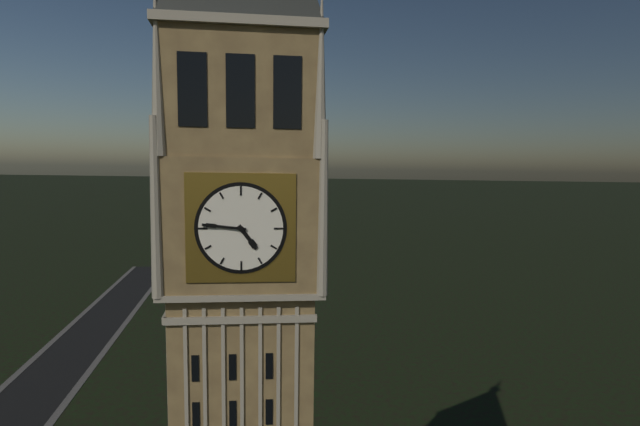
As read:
h=4 m=46
